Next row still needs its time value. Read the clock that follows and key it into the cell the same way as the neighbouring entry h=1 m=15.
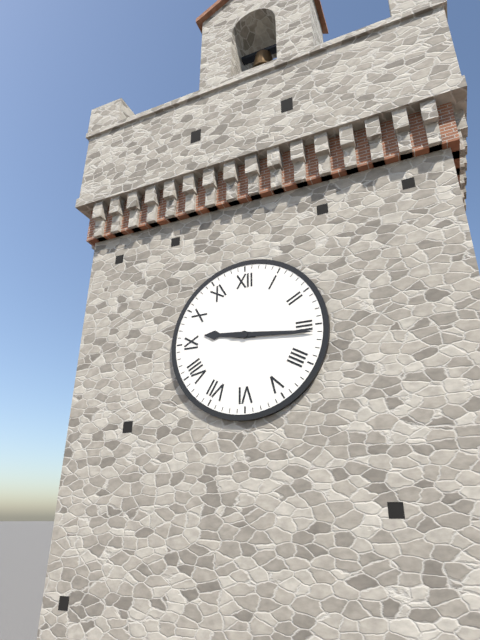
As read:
h=9 m=16
